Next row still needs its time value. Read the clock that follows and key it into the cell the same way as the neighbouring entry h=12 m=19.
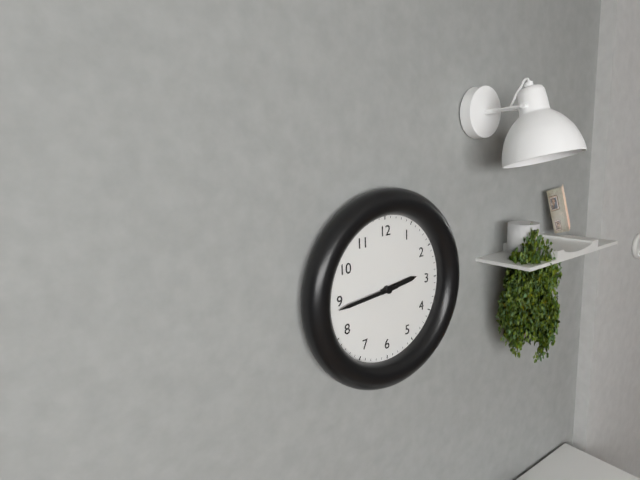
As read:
h=2 m=44
